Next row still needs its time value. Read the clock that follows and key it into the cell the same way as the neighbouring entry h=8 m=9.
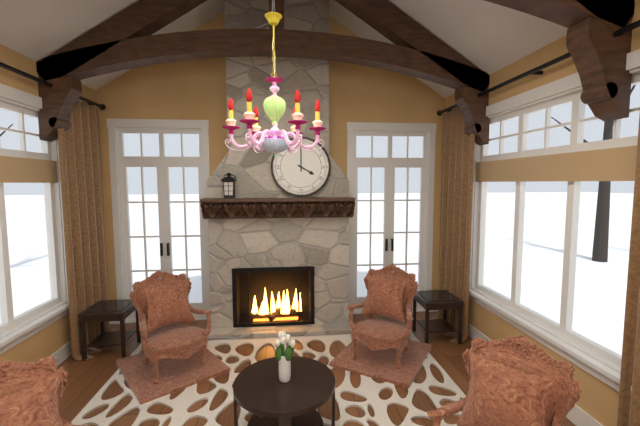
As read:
h=4 m=0
